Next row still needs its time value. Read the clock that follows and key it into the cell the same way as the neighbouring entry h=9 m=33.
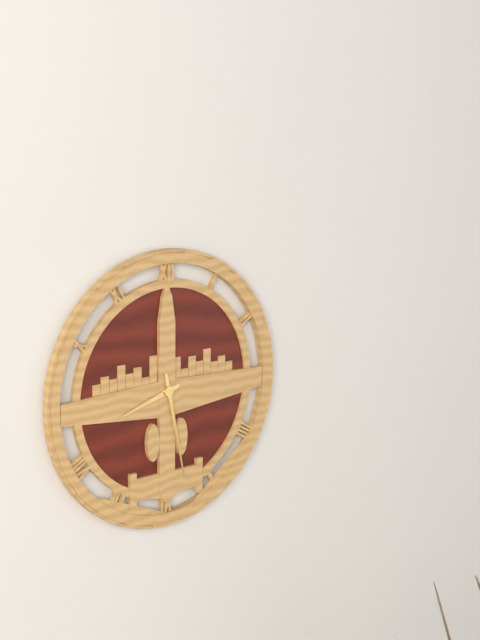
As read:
h=8 m=28
